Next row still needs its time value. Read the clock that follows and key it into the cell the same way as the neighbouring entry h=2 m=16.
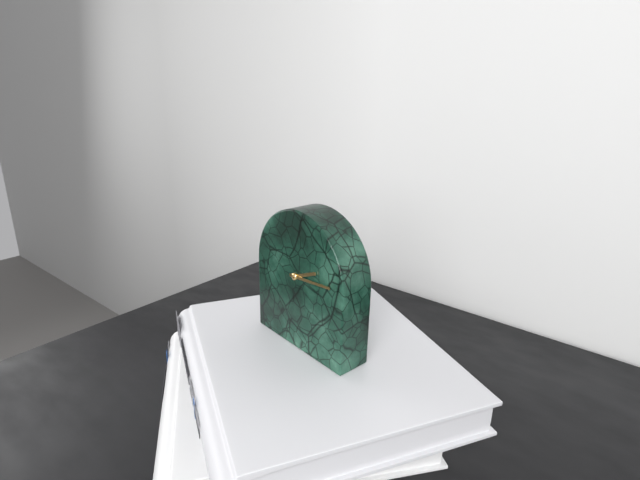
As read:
h=2 m=14
